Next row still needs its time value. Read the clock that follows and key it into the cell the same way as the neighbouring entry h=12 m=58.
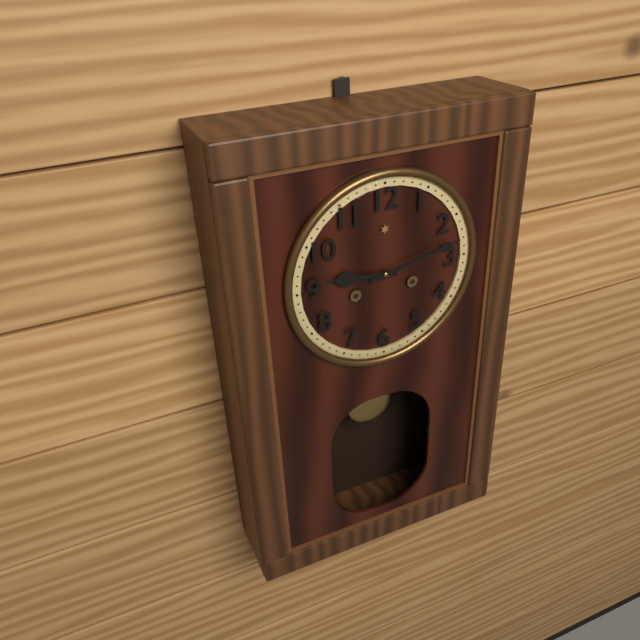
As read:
h=9 m=13
